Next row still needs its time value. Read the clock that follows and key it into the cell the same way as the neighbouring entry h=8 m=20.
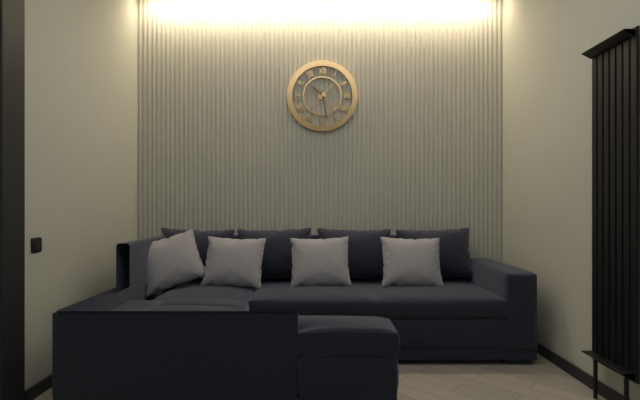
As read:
h=10 m=28
